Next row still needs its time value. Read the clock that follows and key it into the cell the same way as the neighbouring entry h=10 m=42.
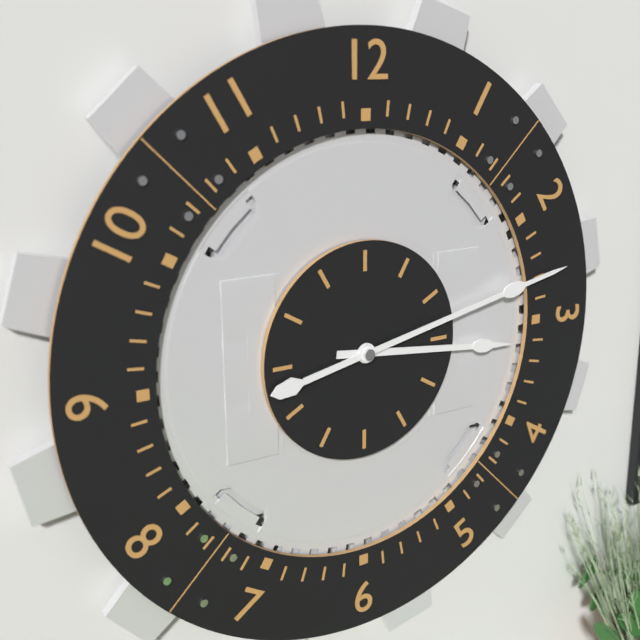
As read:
h=3 m=13
